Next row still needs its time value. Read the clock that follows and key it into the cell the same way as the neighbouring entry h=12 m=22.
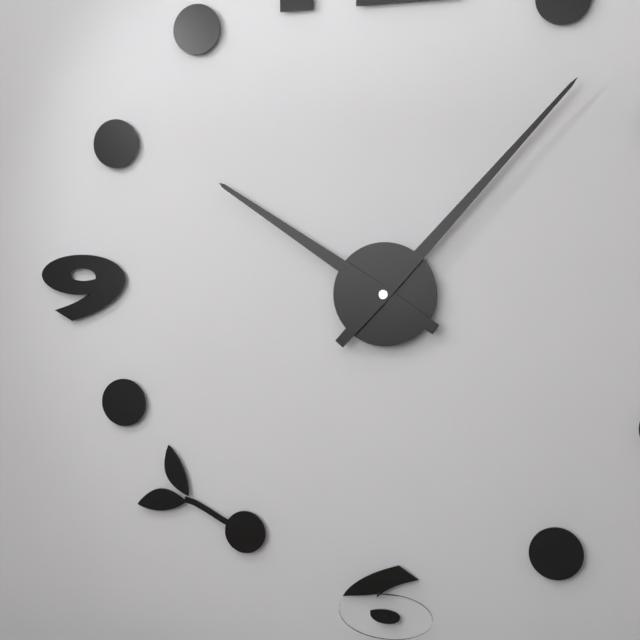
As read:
h=10 m=7
